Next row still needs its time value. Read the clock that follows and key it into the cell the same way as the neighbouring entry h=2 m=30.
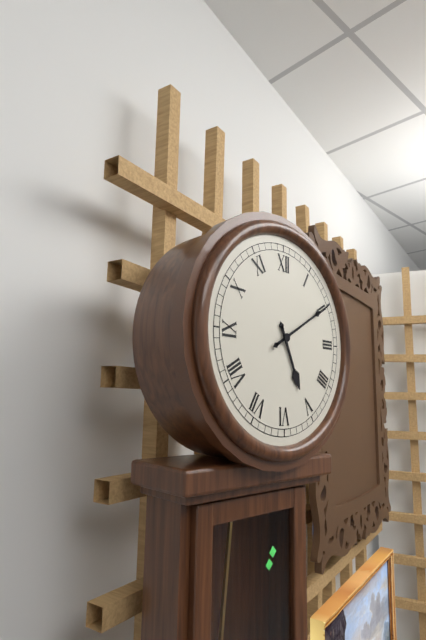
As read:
h=5 m=10
